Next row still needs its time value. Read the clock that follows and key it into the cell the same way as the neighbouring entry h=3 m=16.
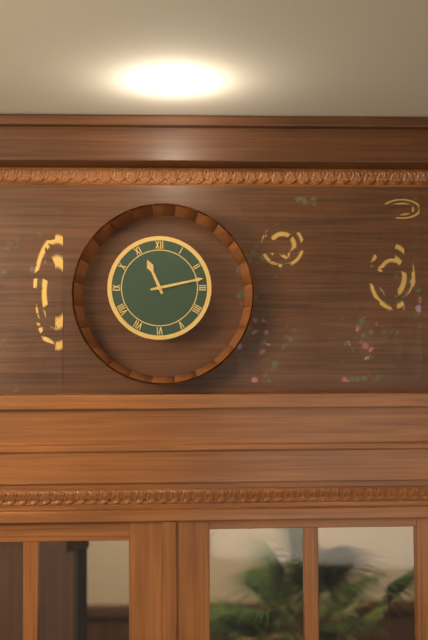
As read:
h=11 m=13
